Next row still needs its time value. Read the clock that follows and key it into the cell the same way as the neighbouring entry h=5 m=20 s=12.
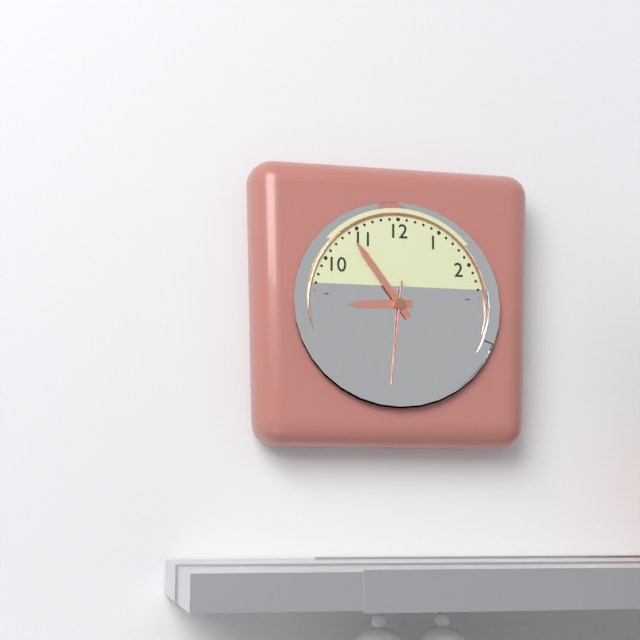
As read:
h=8 m=54 s=31
